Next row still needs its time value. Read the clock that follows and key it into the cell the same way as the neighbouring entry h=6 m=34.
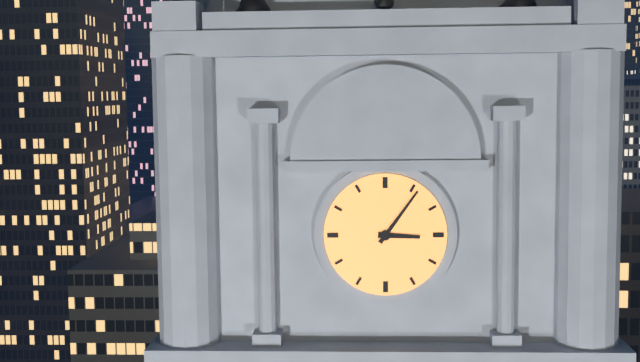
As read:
h=3 m=6
